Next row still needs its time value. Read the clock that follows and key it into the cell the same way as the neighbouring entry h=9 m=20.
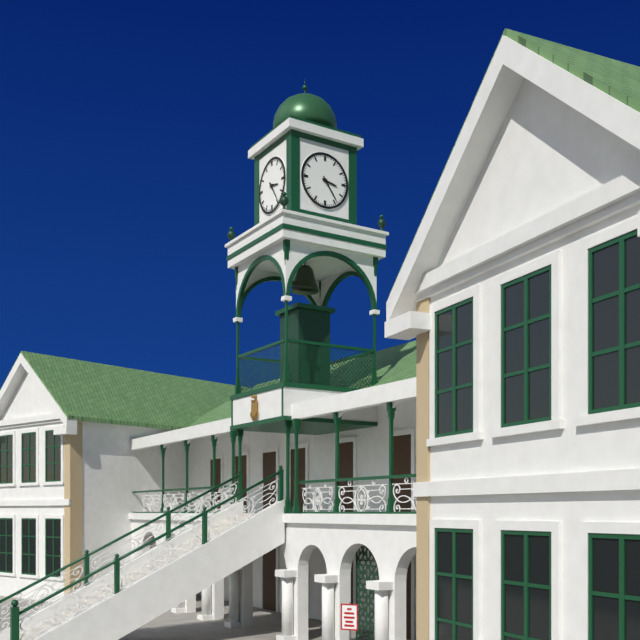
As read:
h=3 m=24
